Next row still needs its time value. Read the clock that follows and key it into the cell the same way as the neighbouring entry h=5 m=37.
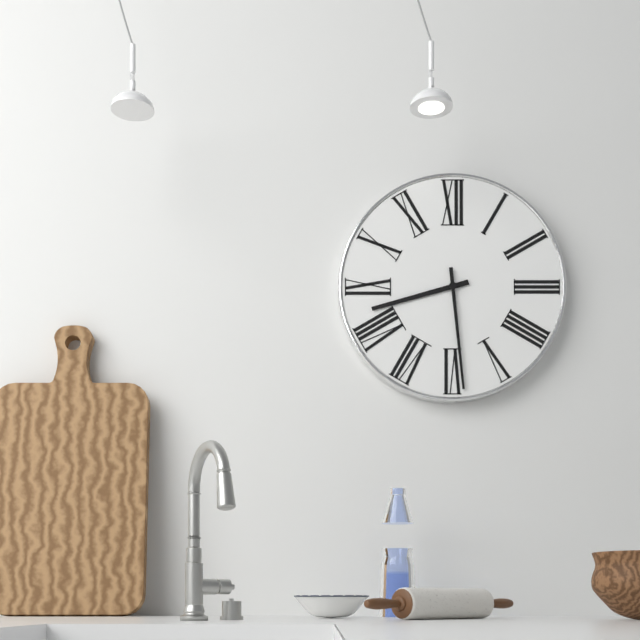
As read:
h=8 m=29
